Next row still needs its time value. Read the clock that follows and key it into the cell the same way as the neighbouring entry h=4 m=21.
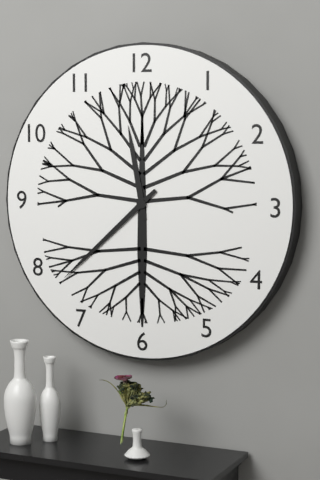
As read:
h=11 m=38
